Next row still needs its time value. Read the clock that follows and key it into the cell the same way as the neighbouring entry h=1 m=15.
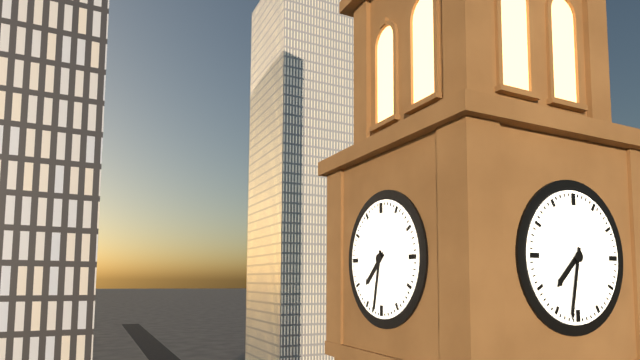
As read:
h=7 m=32
